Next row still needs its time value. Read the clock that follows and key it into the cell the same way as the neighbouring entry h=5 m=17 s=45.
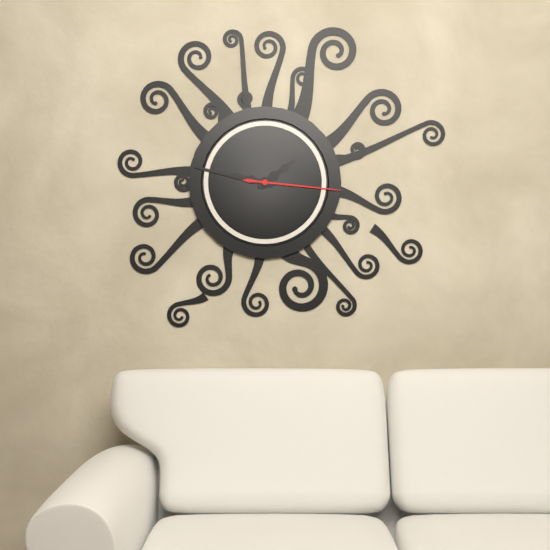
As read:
h=1 m=47 s=16
